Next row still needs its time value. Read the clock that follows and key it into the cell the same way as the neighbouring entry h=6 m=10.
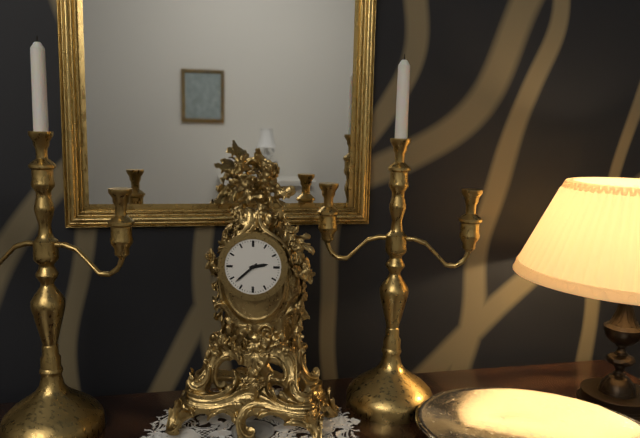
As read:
h=2 m=38
